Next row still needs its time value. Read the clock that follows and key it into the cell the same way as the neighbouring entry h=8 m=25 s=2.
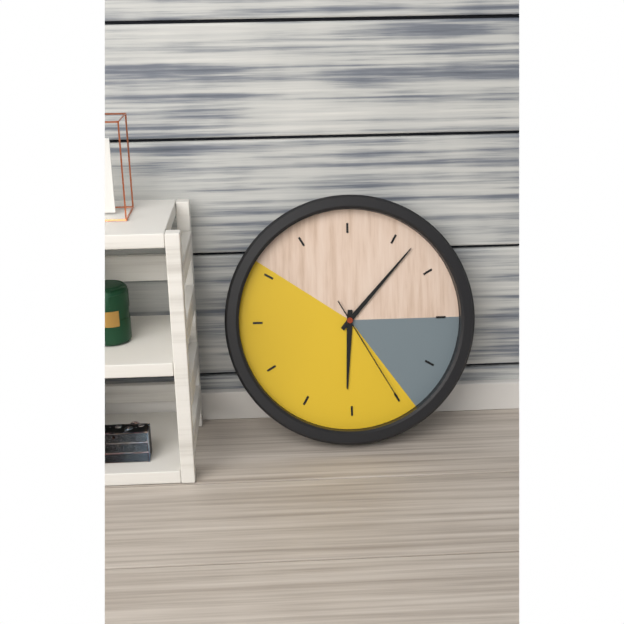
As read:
h=6 m=7 s=25
